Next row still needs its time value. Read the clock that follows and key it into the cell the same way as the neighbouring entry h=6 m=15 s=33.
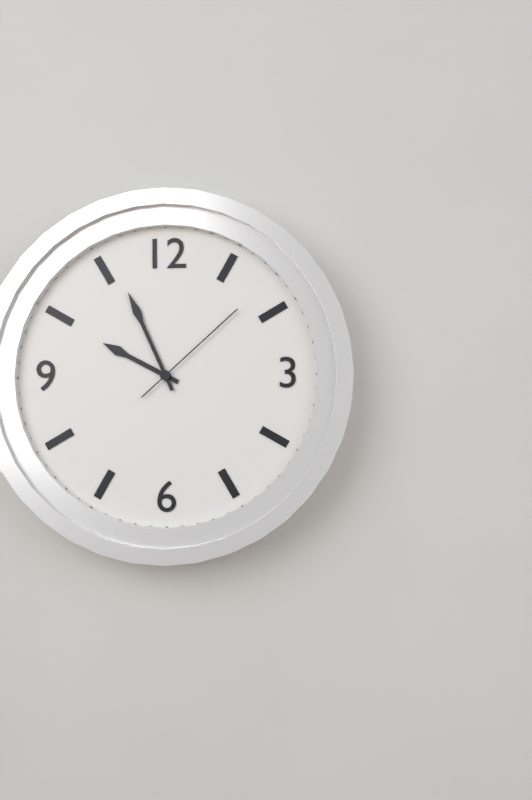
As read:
h=9 m=56 s=8
